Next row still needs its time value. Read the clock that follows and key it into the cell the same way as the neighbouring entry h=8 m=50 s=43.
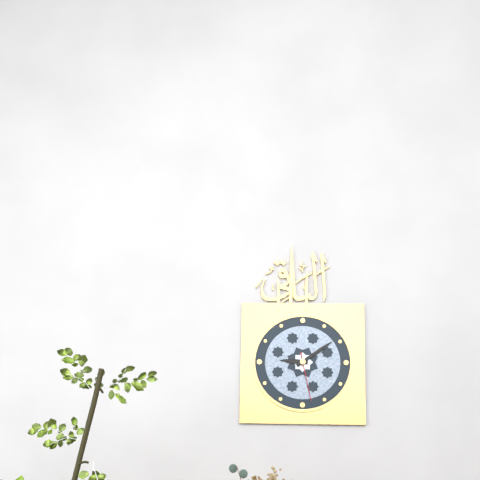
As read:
h=9 m=9 s=28
